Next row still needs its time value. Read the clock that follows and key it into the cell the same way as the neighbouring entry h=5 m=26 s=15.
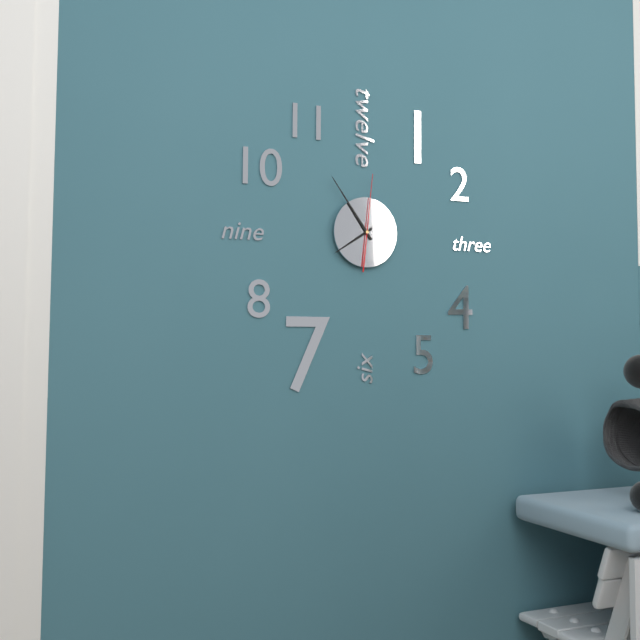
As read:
h=7 m=54 s=1
